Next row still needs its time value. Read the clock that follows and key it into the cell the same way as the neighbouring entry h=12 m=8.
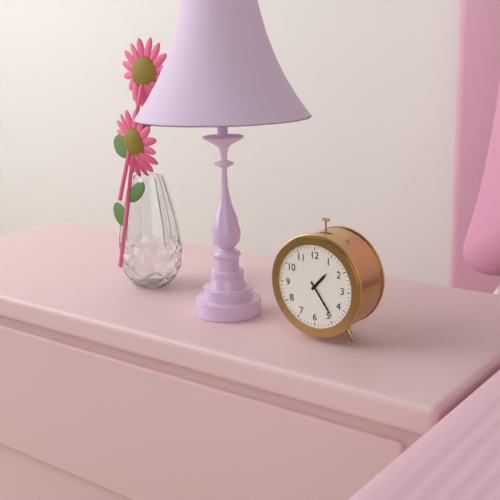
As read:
h=1 m=24
